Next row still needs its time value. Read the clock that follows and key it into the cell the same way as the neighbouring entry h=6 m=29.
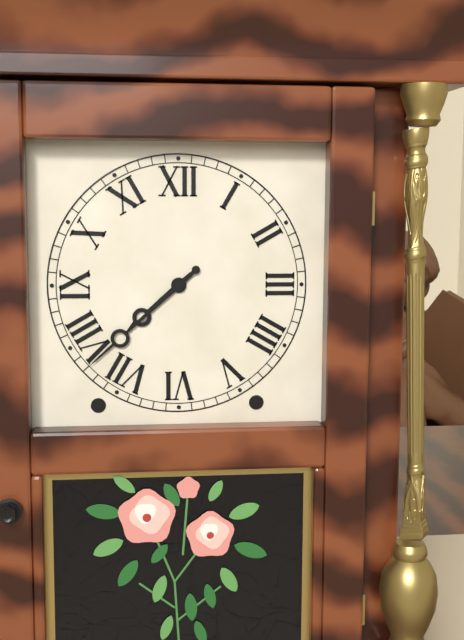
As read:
h=7 m=38
